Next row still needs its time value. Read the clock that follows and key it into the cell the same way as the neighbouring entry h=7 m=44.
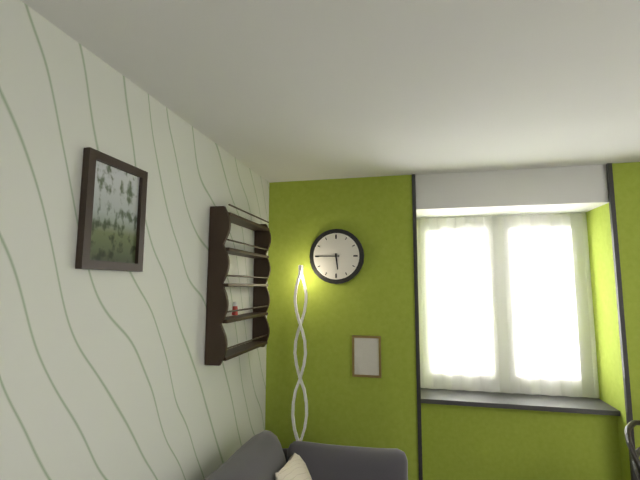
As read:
h=5 m=45
